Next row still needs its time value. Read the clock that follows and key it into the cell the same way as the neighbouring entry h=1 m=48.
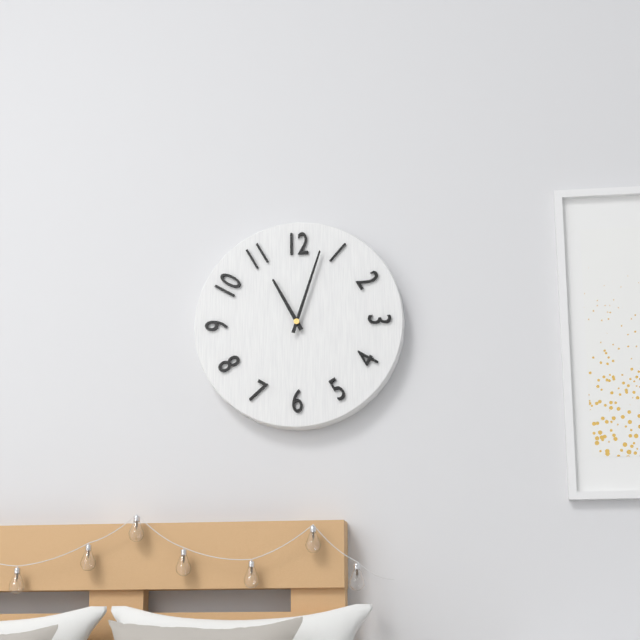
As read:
h=11 m=3
